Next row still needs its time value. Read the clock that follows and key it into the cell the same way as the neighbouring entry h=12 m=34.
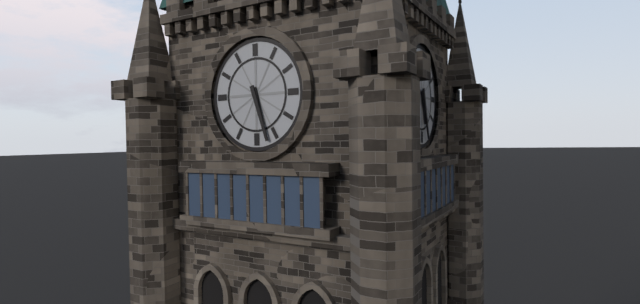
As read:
h=5 m=27
